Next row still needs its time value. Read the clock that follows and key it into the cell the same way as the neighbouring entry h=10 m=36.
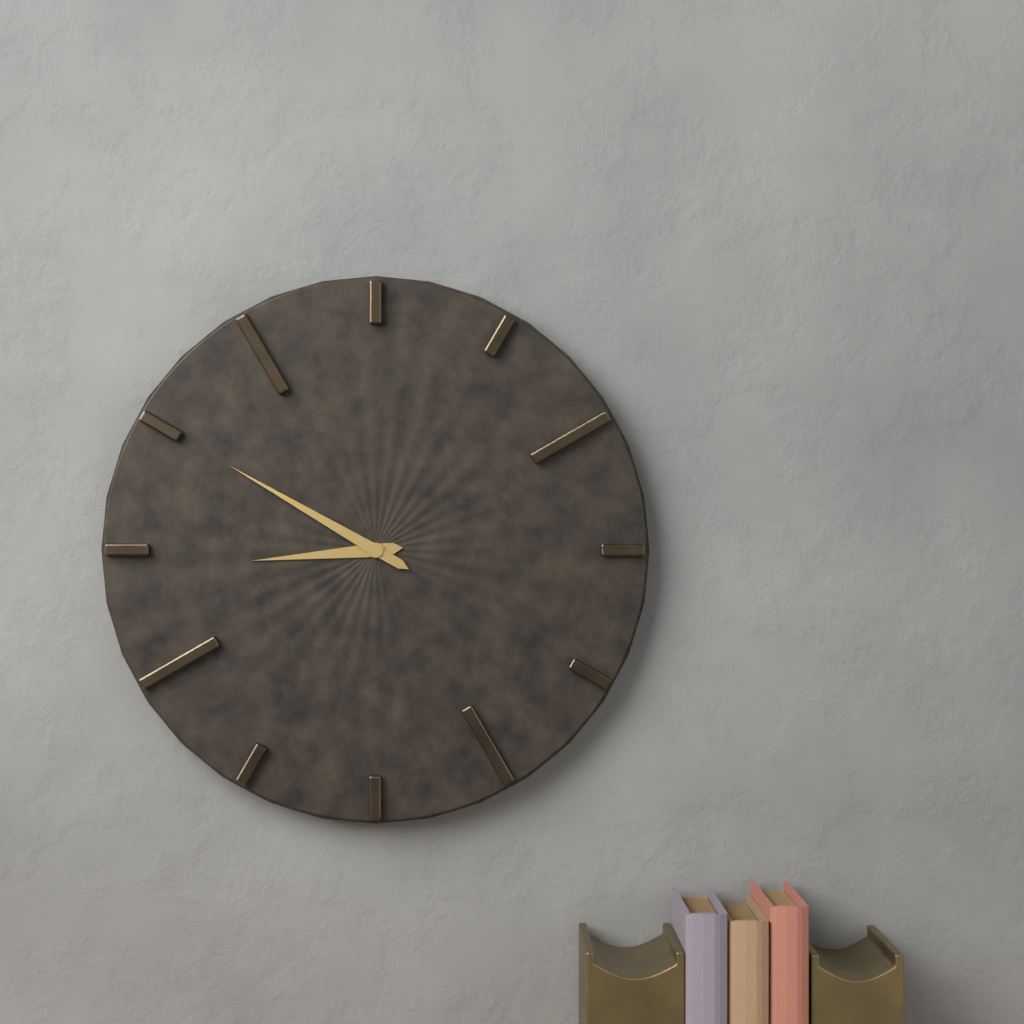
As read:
h=8 m=50
